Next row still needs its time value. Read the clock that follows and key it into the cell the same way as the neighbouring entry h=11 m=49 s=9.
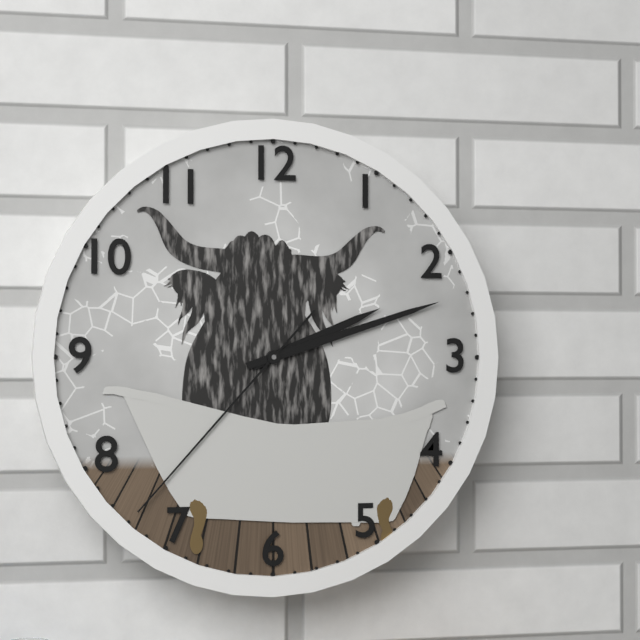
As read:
h=2 m=12 s=37
